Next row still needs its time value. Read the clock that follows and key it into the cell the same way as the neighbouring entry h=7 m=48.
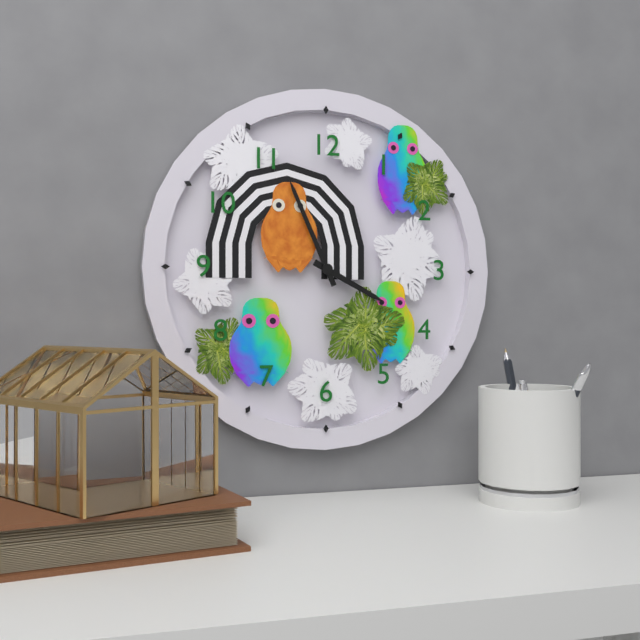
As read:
h=3 m=56
